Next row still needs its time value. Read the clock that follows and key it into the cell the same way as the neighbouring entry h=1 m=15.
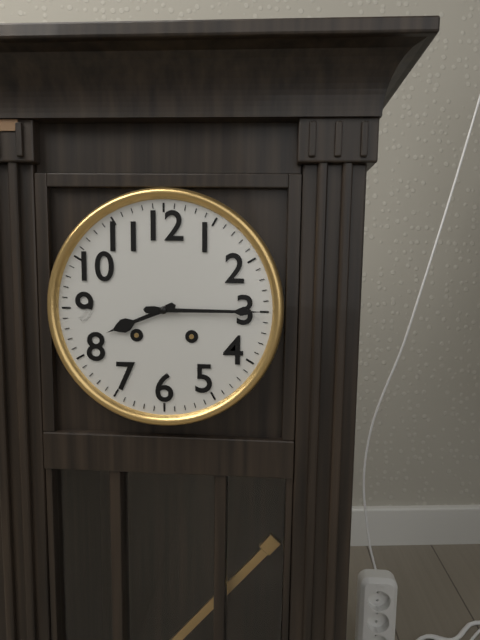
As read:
h=8 m=15
